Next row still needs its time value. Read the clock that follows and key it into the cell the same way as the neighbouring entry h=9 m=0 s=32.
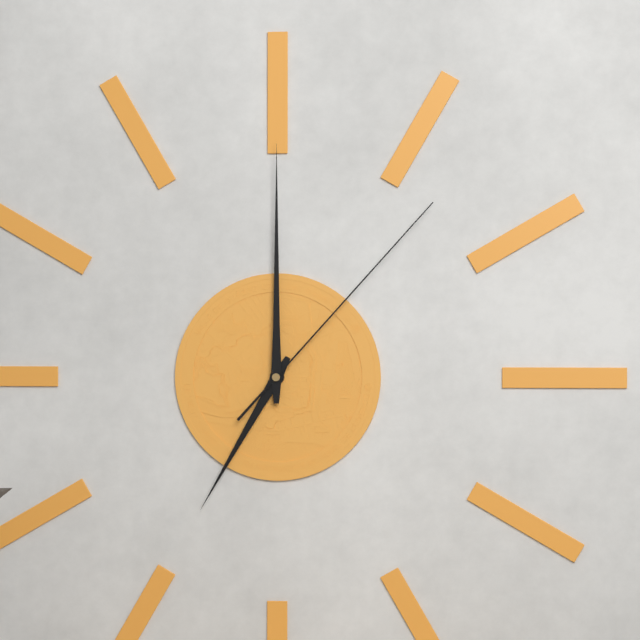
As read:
h=7 m=0 s=7
